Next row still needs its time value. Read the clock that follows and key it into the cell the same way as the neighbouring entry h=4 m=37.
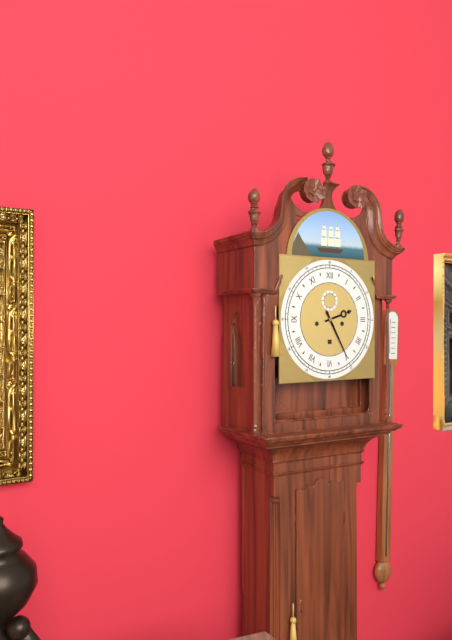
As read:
h=2 m=25
